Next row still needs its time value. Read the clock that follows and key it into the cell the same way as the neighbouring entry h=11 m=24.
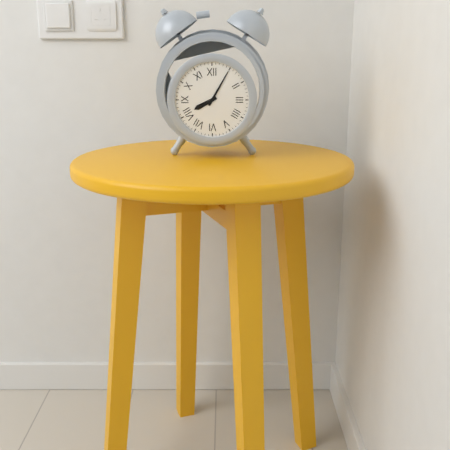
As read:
h=8 m=5
